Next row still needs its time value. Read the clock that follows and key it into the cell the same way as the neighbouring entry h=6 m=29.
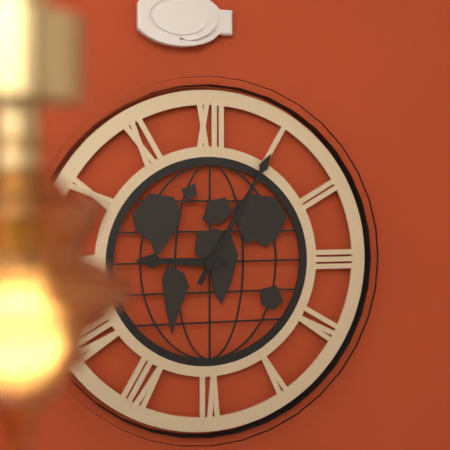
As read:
h=9 m=5
